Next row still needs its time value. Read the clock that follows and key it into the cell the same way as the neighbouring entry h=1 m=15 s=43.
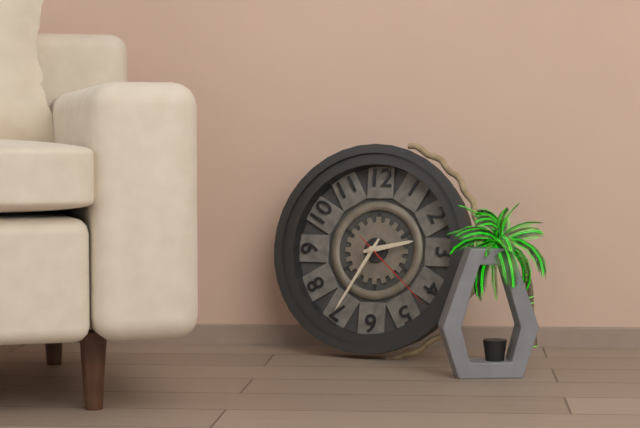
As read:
h=2 m=35 s=22
